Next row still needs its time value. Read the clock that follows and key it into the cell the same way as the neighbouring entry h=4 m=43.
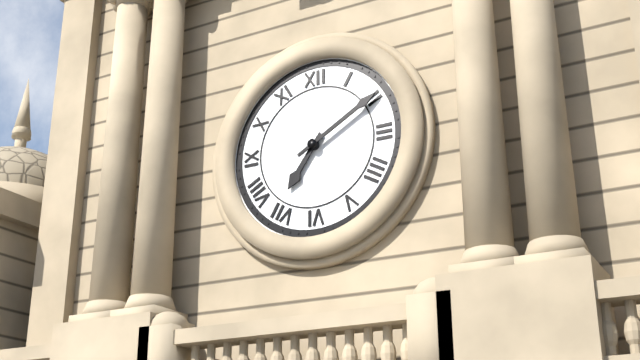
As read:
h=7 m=10
